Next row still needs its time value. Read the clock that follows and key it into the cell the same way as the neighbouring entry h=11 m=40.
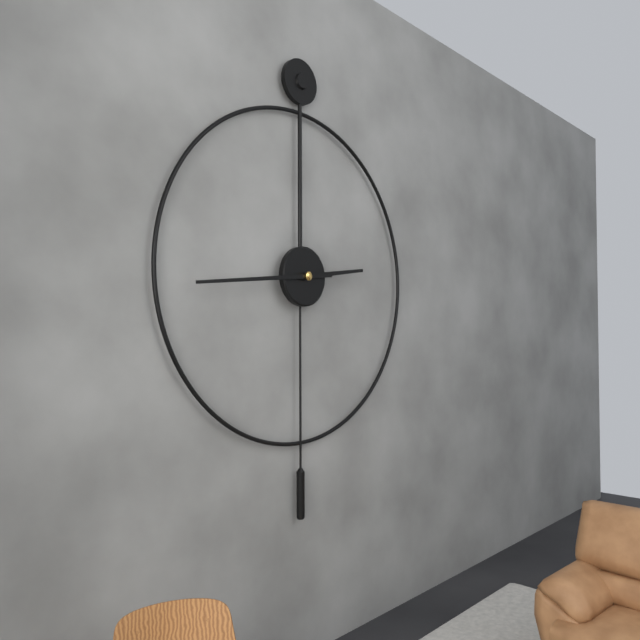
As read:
h=2 m=44
